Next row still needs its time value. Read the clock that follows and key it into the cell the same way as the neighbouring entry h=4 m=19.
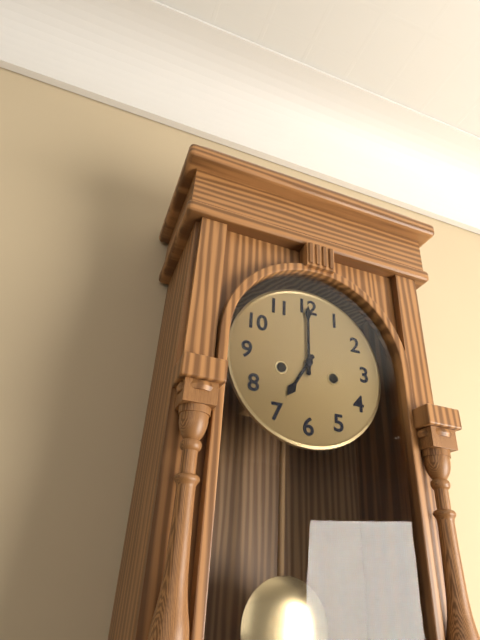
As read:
h=7 m=0
